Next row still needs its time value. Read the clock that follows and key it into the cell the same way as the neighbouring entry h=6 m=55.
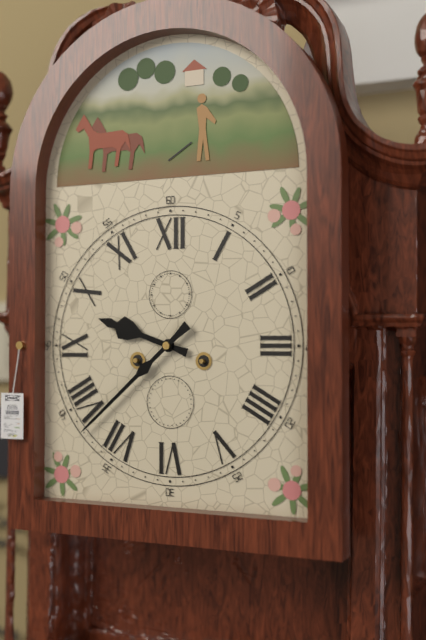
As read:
h=9 m=38
